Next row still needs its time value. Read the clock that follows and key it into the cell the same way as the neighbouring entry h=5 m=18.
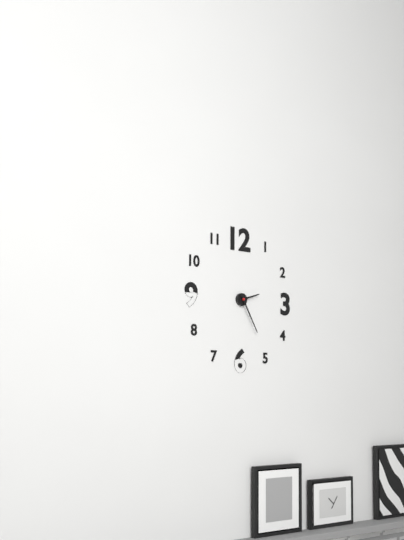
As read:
h=2 m=25
